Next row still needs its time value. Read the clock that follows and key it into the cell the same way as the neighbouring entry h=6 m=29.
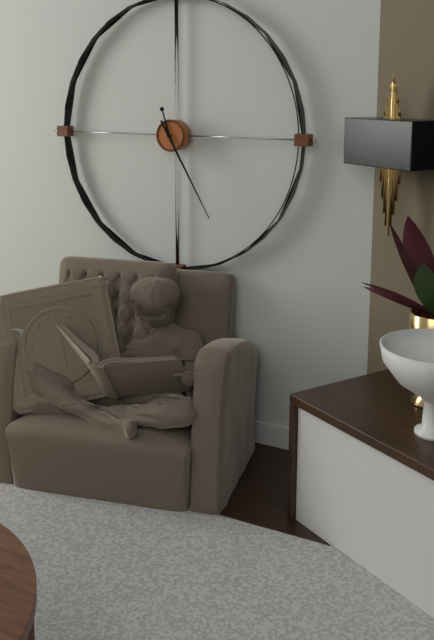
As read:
h=11 m=25
